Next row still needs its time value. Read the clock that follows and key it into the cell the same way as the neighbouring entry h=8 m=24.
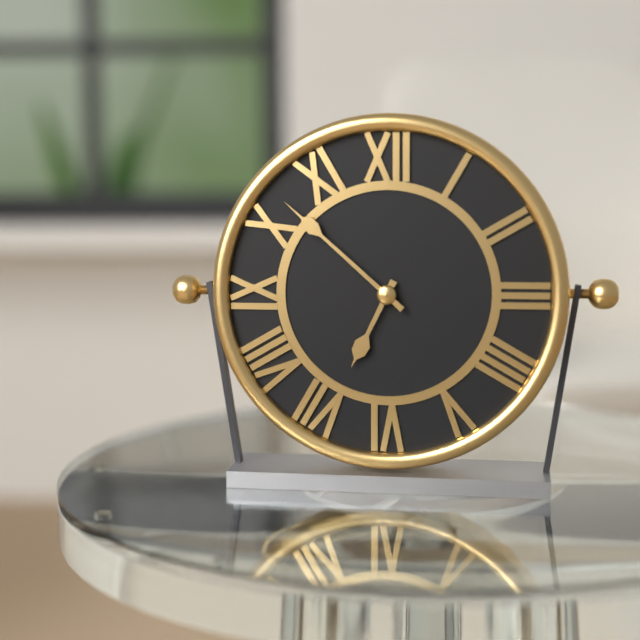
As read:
h=6 m=52
